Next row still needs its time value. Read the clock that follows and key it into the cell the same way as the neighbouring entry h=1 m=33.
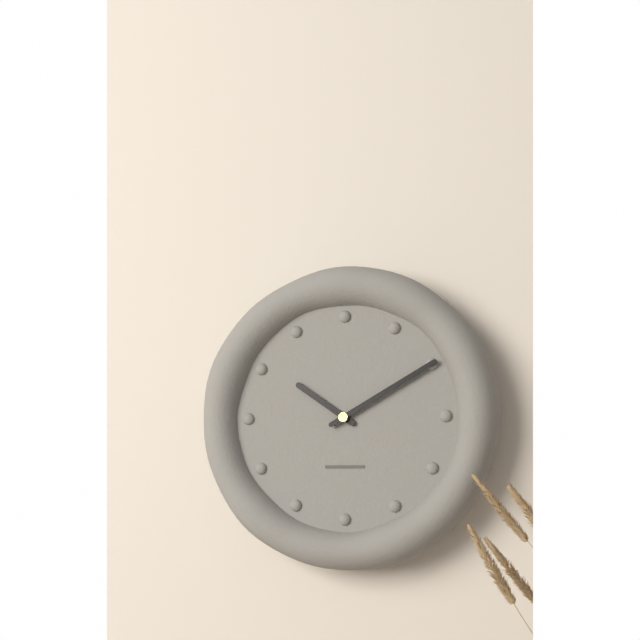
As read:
h=10 m=10
